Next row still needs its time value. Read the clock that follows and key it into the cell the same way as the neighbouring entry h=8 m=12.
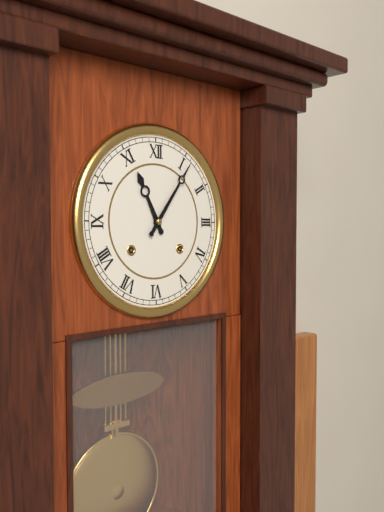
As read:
h=11 m=6
